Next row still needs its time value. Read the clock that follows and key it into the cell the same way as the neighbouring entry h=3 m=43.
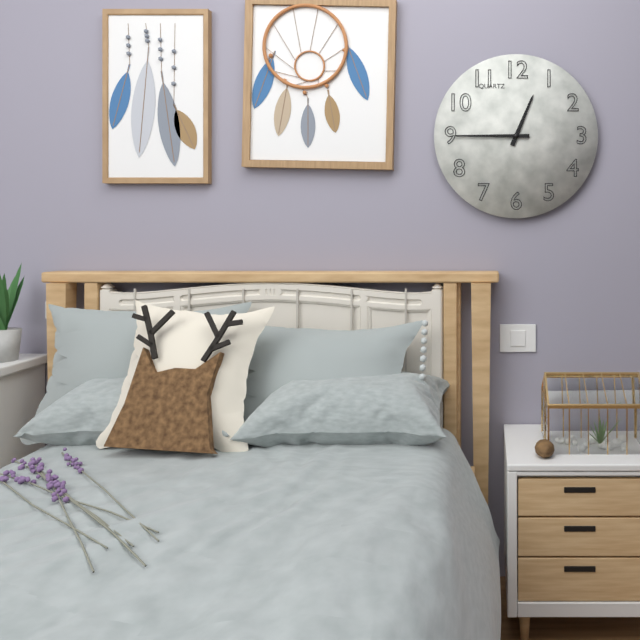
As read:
h=12 m=45
